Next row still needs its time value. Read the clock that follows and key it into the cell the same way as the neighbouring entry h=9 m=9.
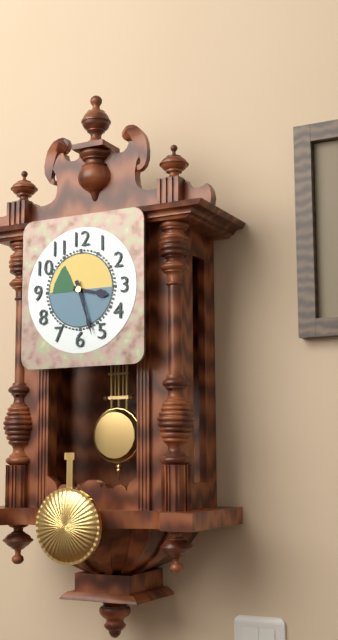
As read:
h=3 m=27
